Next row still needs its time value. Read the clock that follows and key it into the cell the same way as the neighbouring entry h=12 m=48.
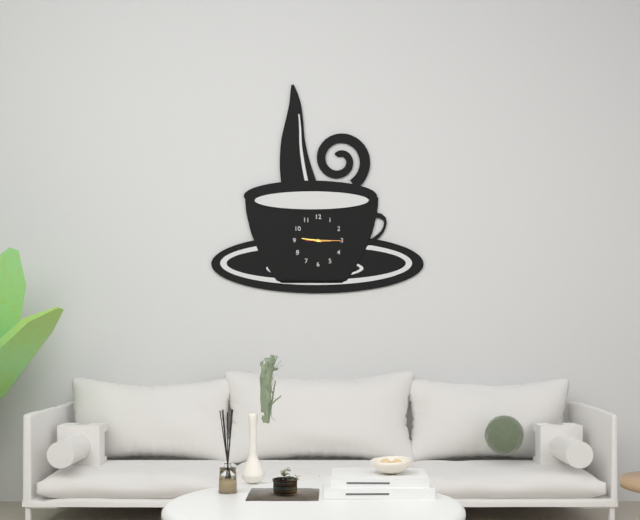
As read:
h=9 m=15
